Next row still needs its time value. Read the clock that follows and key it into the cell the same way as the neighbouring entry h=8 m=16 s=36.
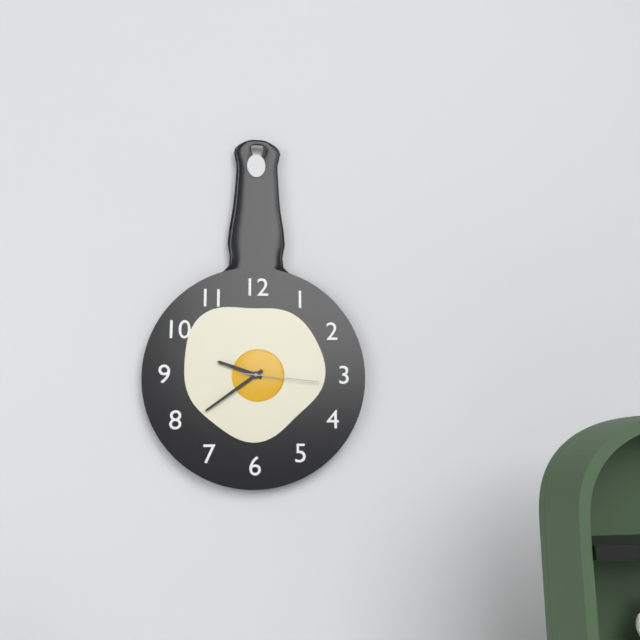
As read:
h=9 m=39 s=16
